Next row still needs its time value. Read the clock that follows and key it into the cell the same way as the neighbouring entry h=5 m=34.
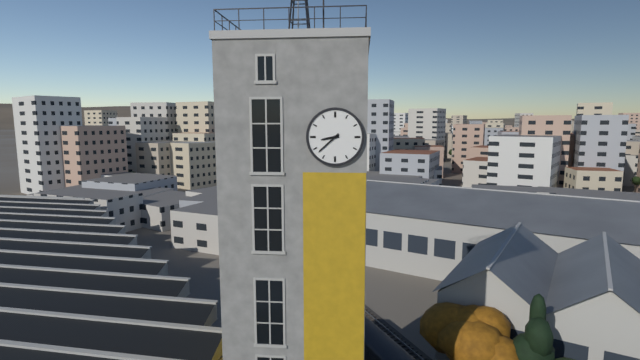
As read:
h=8 m=38
